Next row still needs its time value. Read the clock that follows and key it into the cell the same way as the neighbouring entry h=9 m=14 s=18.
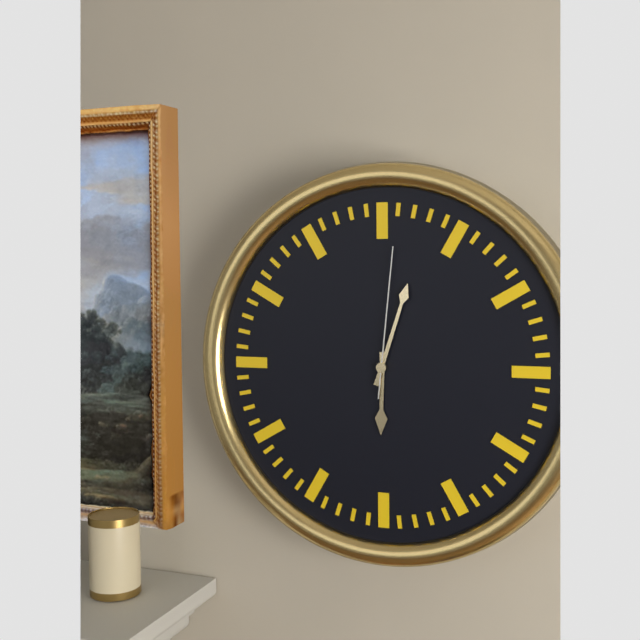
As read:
h=6 m=3 s=1
